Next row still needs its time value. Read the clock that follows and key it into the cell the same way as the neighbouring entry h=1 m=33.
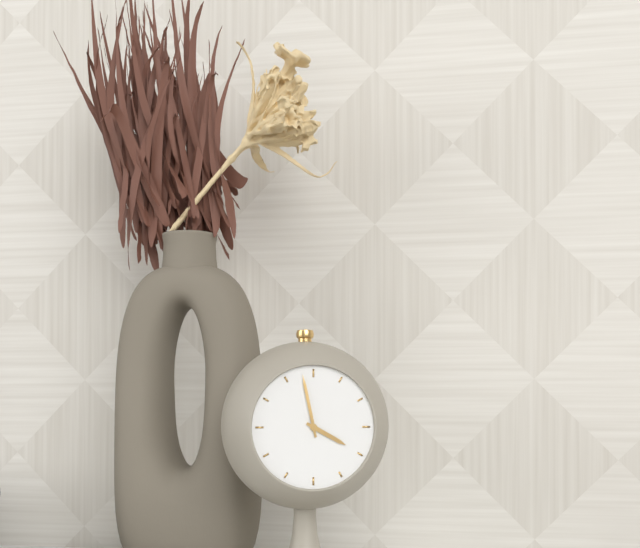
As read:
h=3 m=58
